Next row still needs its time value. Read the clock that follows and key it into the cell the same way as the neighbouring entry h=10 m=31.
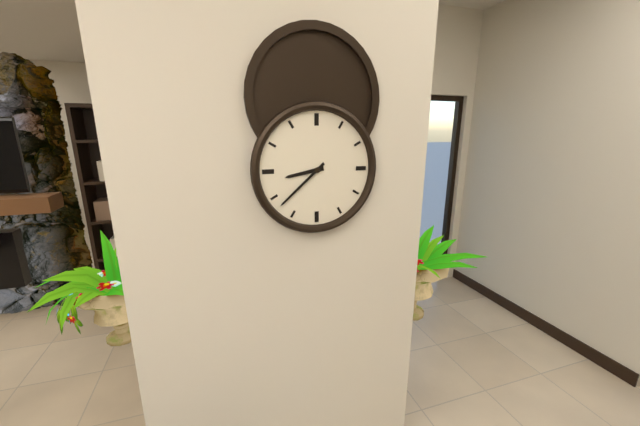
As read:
h=8 m=38
